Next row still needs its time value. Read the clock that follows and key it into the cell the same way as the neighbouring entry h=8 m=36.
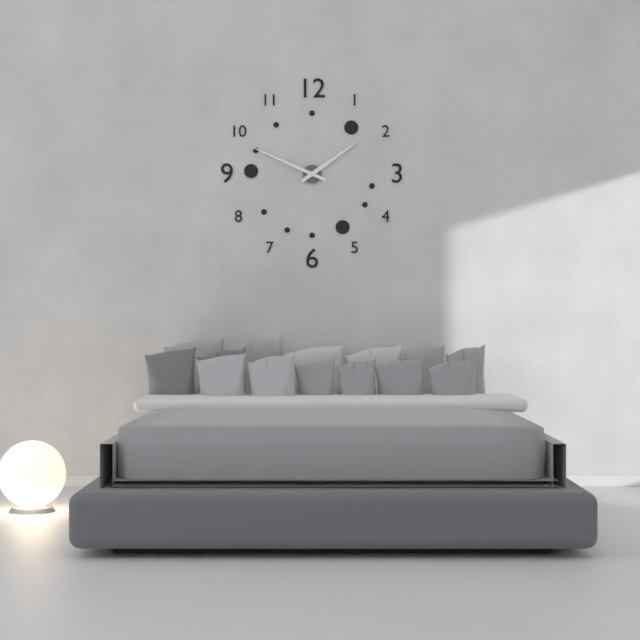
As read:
h=1 m=49
